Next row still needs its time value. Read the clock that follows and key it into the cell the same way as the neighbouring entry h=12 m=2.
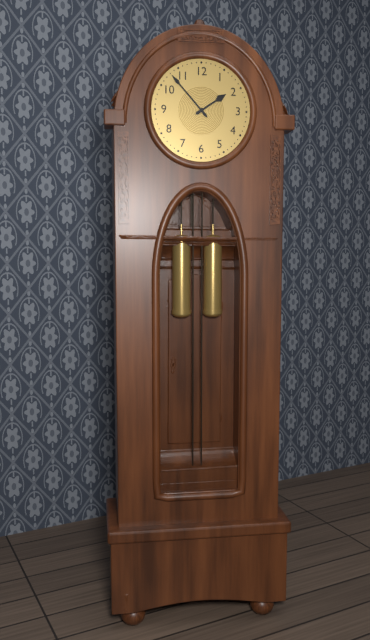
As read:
h=1 m=53
